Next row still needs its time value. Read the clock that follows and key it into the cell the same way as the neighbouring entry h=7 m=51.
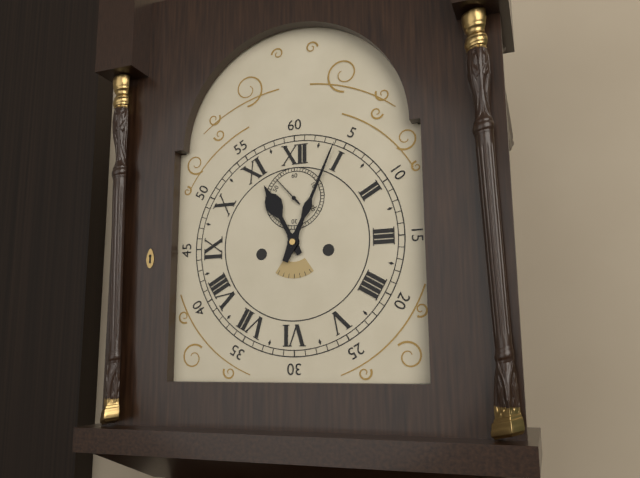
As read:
h=11 m=4
